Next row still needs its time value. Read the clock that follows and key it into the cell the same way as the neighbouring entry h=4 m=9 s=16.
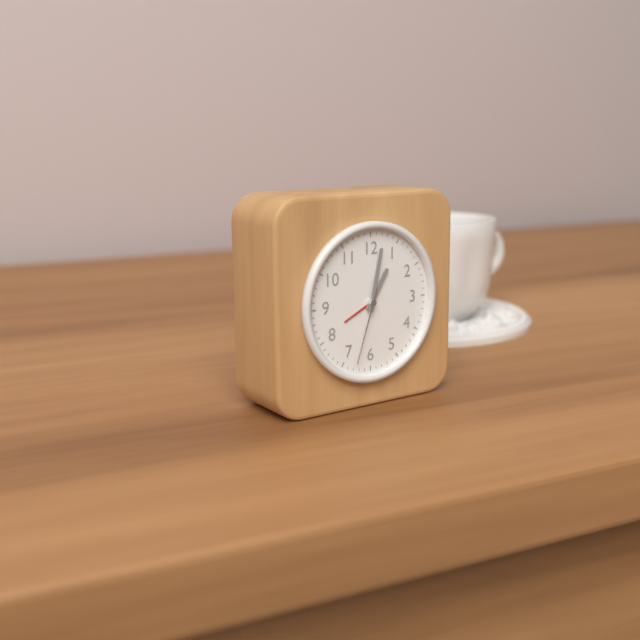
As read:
h=1 m=2 s=33
